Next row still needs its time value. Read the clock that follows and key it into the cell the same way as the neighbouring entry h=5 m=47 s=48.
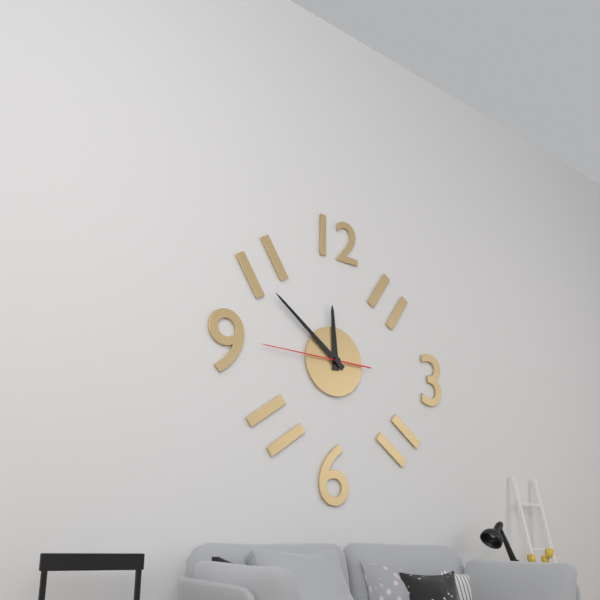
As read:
h=11 m=51 s=45
